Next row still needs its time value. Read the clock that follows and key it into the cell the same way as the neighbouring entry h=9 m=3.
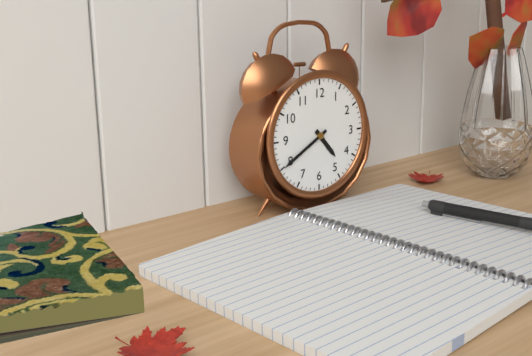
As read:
h=4 m=40
